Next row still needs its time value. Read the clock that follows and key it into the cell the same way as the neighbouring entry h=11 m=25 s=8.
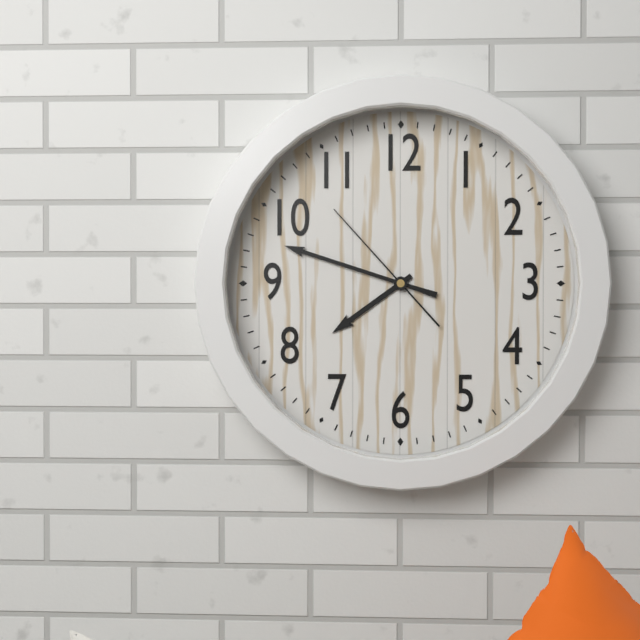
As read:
h=7 m=48 s=53
